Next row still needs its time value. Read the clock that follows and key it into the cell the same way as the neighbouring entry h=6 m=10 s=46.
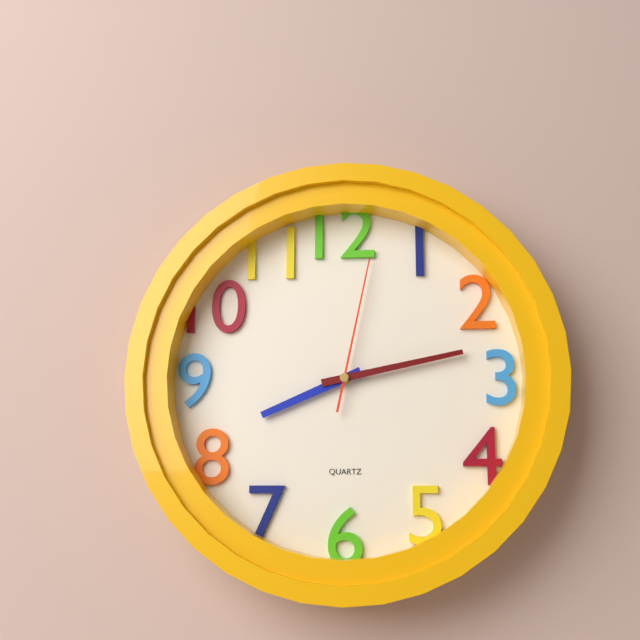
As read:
h=8 m=13 s=2
